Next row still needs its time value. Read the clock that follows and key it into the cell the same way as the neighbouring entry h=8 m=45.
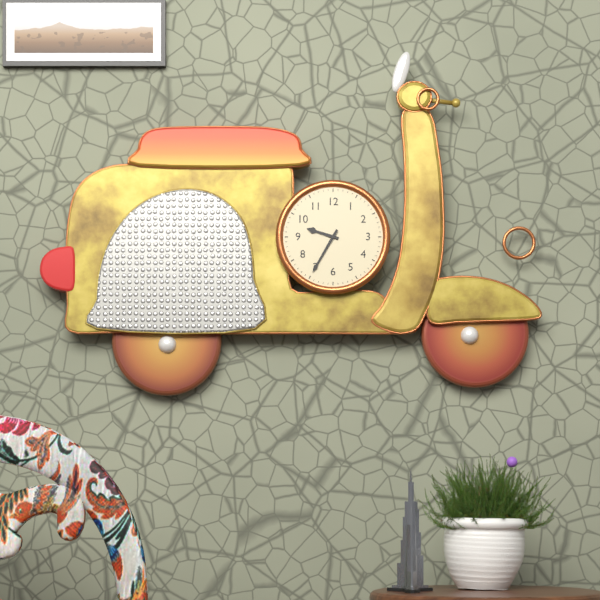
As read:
h=9 m=35
